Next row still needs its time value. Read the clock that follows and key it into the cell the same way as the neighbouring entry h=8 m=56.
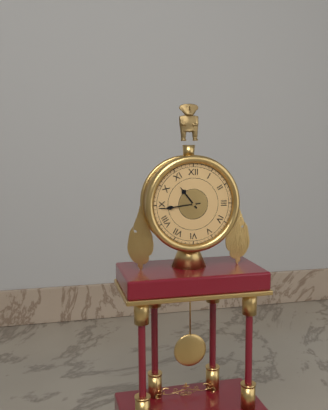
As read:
h=10 m=44
